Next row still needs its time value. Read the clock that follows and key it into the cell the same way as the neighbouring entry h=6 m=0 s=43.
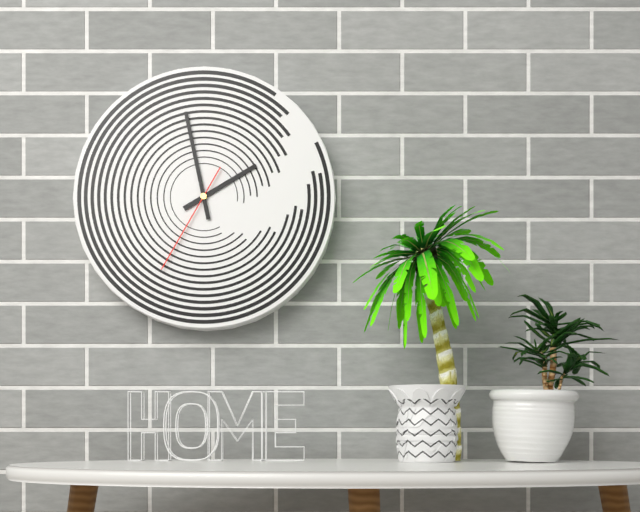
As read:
h=1 m=58 s=35
